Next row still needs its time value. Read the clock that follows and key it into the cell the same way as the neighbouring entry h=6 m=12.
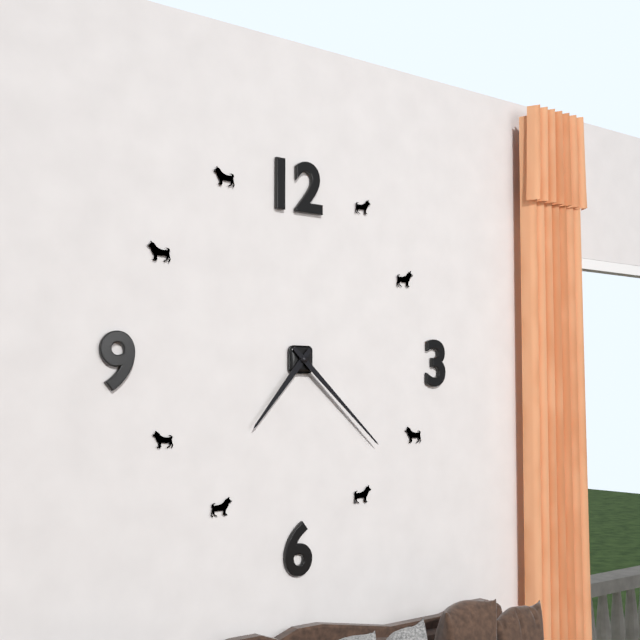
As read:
h=7 m=22
